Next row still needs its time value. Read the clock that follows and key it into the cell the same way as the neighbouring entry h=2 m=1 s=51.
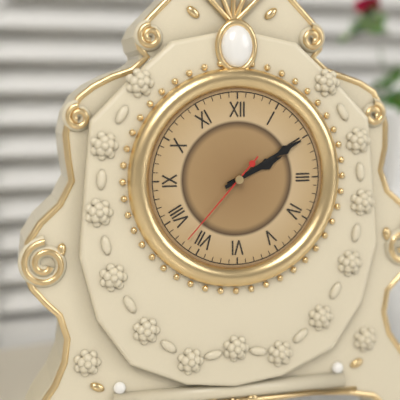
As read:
h=2 m=10 s=37
